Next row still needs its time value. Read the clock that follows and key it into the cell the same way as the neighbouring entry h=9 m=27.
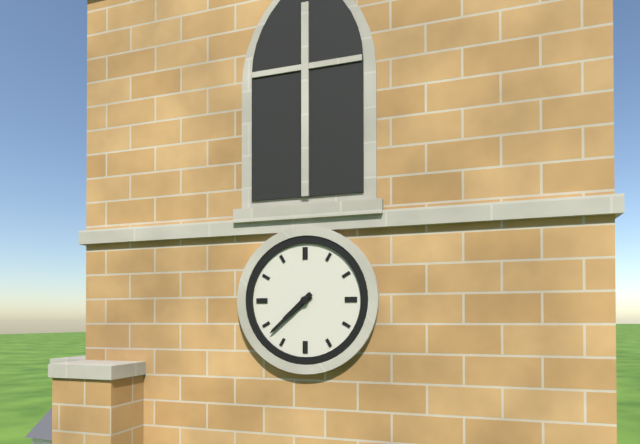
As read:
h=7 m=38
